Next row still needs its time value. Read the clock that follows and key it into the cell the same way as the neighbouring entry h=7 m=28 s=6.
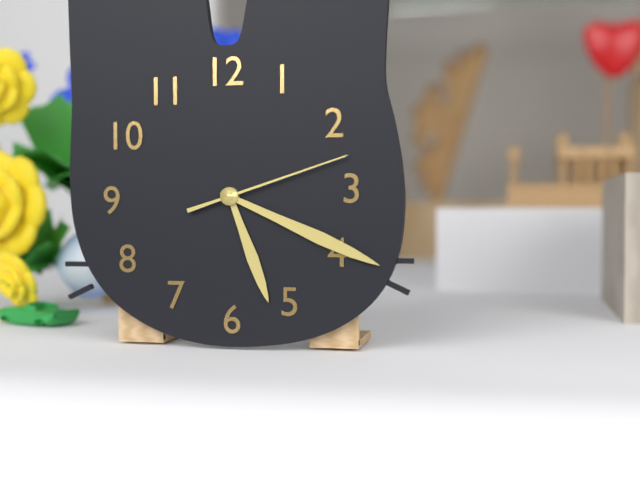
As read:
h=5 m=19 s=12
